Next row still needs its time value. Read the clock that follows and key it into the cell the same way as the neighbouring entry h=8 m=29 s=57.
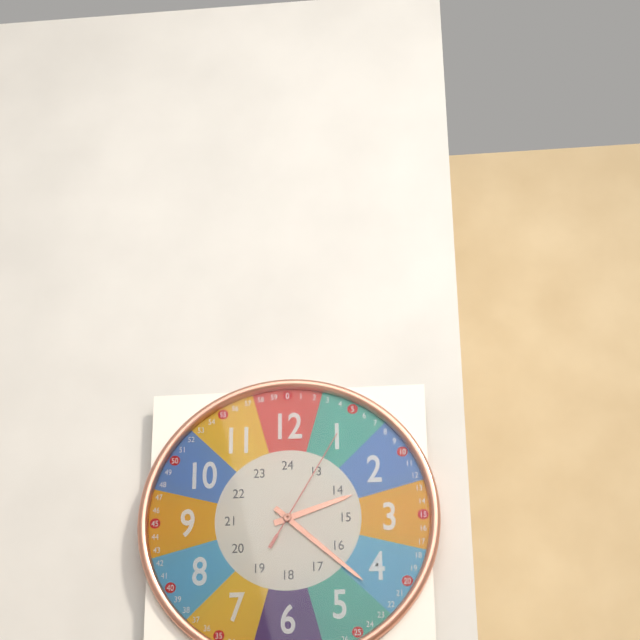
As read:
h=2 m=22 s=5
